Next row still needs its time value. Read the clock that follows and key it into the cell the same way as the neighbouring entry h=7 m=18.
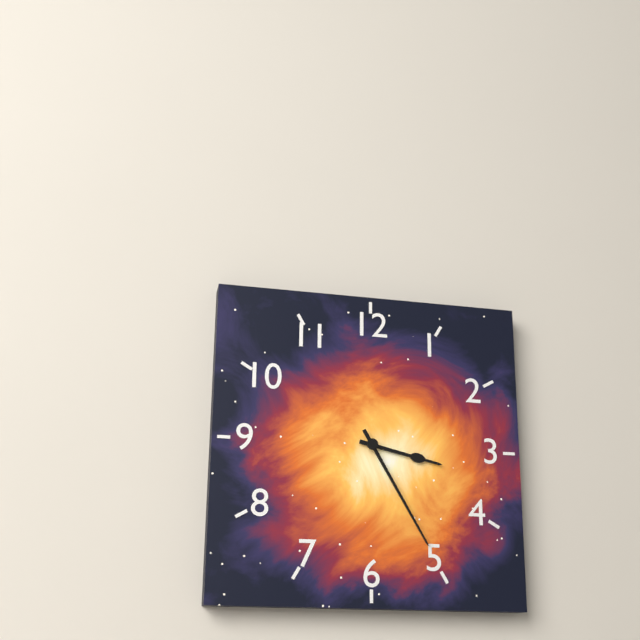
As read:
h=3 m=25
